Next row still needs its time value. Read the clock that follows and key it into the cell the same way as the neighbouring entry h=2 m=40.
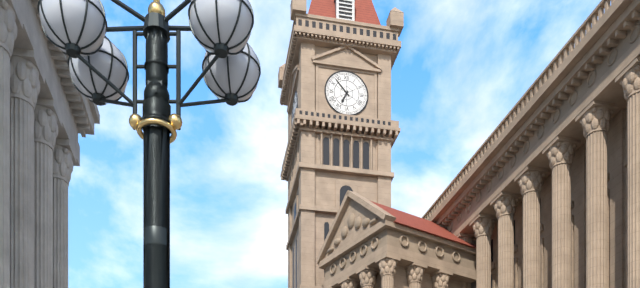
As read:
h=6 m=53
